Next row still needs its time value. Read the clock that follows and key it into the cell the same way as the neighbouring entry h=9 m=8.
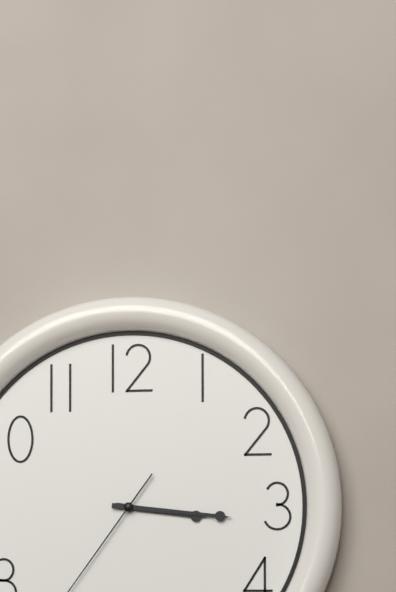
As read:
h=3 m=16
